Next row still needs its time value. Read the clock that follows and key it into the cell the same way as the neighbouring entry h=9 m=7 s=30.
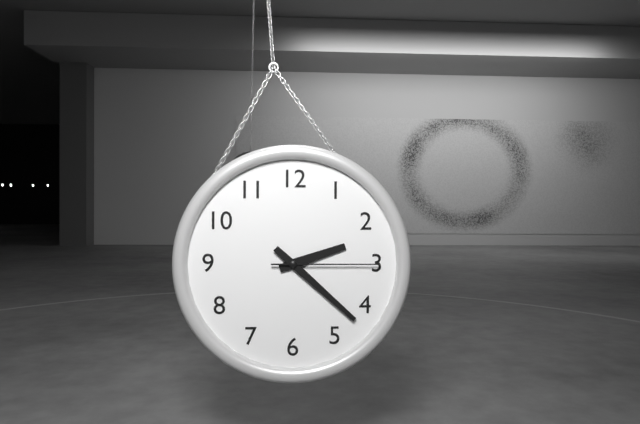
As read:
h=2 m=22 s=15
